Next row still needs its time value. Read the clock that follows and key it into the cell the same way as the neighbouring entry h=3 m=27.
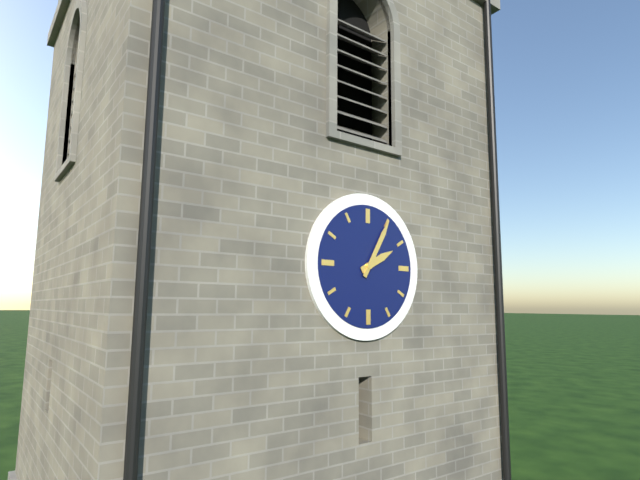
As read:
h=2 m=5
